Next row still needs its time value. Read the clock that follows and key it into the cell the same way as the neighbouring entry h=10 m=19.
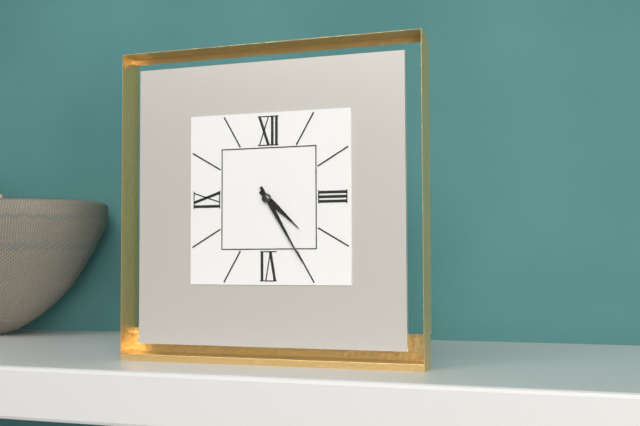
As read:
h=4 m=25
